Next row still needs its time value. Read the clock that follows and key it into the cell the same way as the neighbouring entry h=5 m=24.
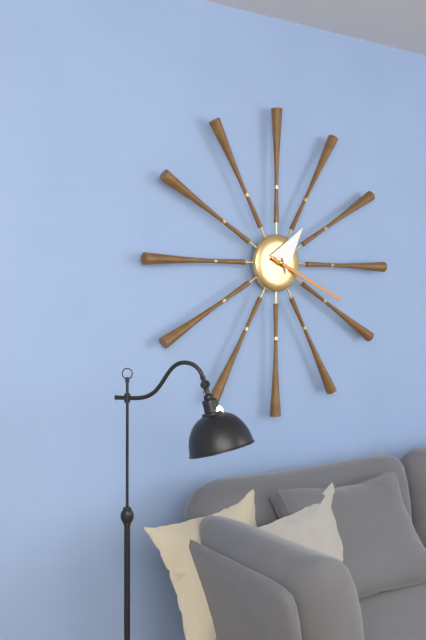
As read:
h=1 m=19
